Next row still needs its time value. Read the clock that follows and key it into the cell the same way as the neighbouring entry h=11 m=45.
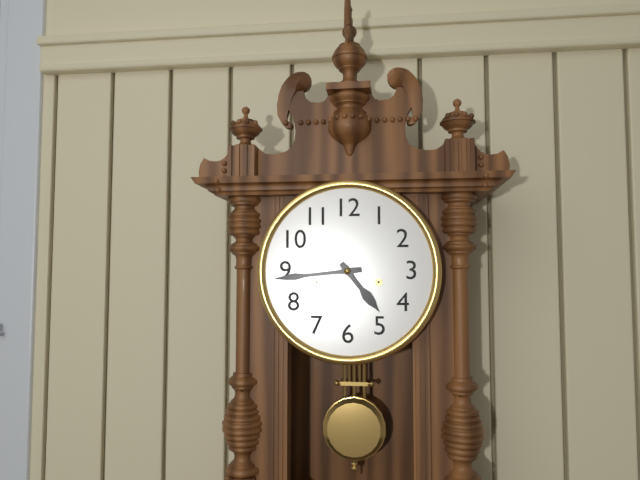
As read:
h=4 m=44
